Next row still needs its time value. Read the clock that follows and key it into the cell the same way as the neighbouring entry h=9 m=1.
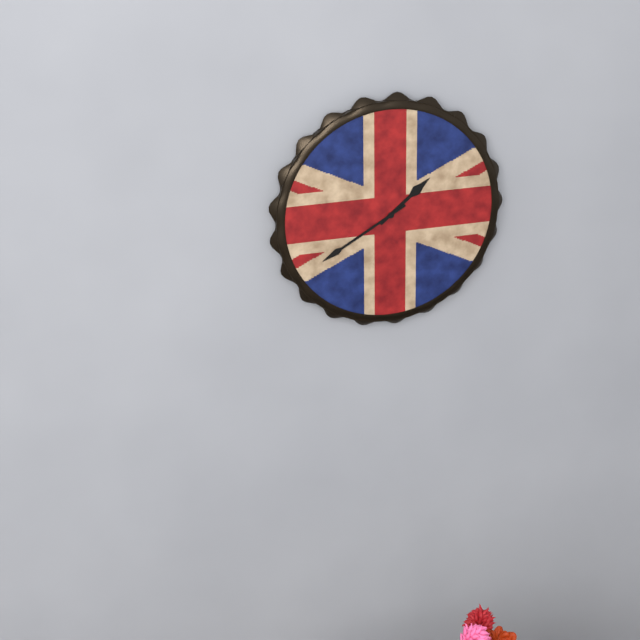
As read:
h=1 m=40
